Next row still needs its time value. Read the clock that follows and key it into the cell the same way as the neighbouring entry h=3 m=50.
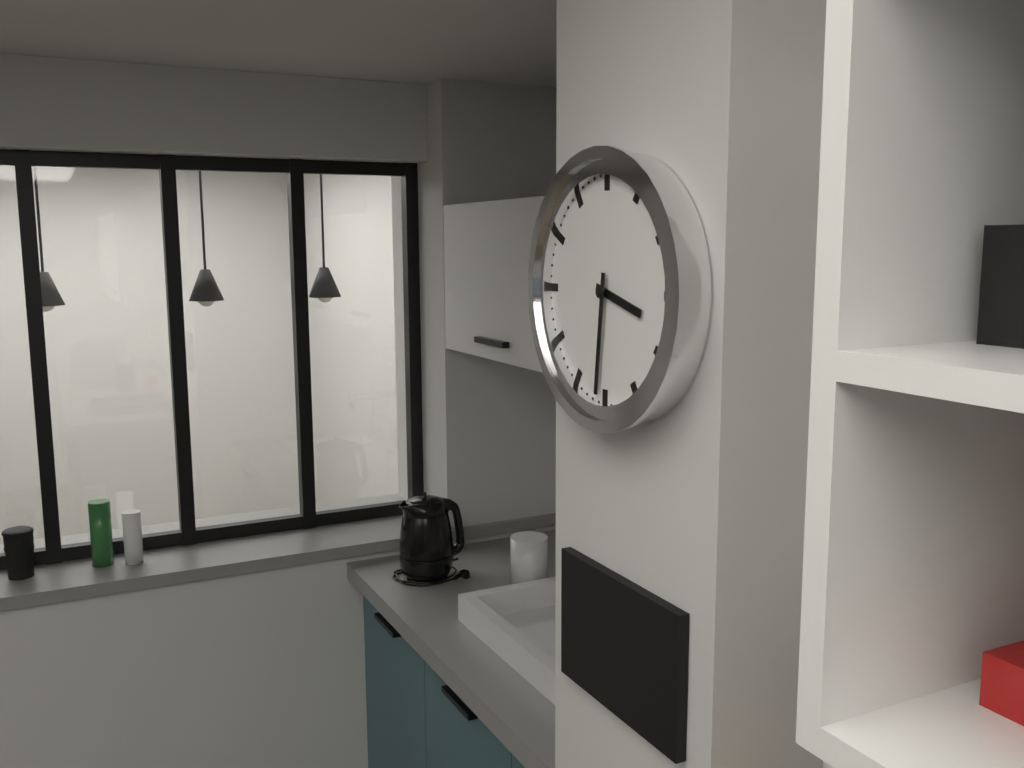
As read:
h=3 m=31
